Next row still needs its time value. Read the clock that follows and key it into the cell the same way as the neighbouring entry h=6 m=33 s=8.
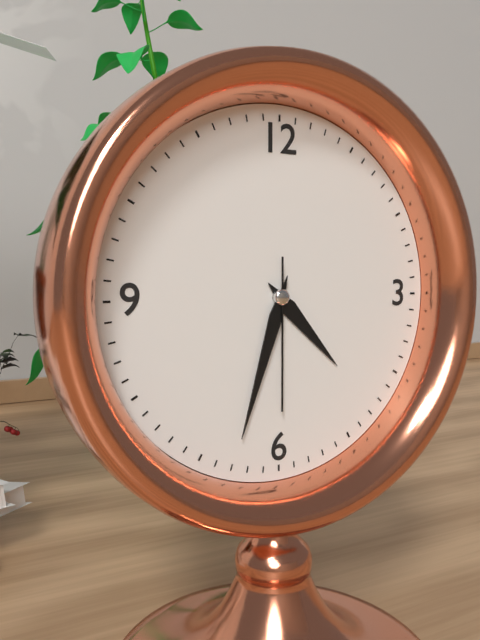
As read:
h=4 m=33 s=30
